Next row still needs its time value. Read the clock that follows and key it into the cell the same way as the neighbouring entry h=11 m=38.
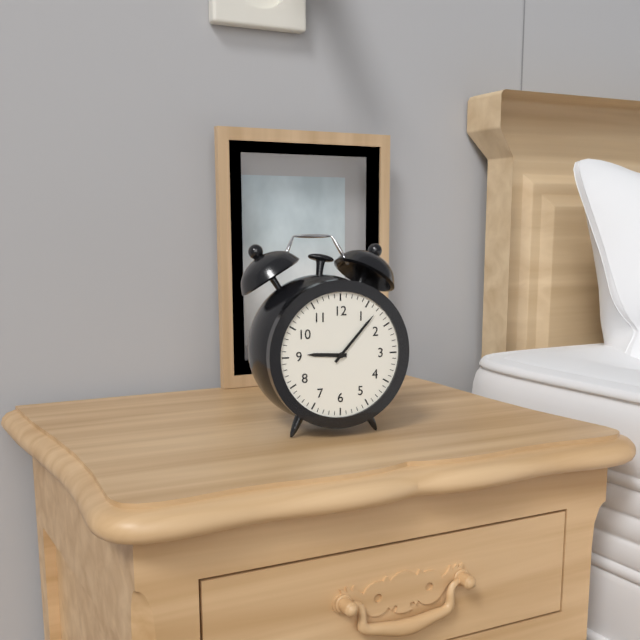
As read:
h=9 m=7
